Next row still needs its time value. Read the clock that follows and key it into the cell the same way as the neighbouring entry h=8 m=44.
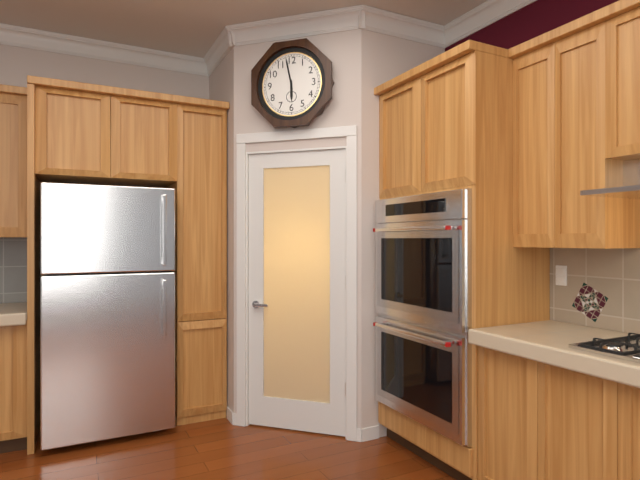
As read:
h=5 m=58
